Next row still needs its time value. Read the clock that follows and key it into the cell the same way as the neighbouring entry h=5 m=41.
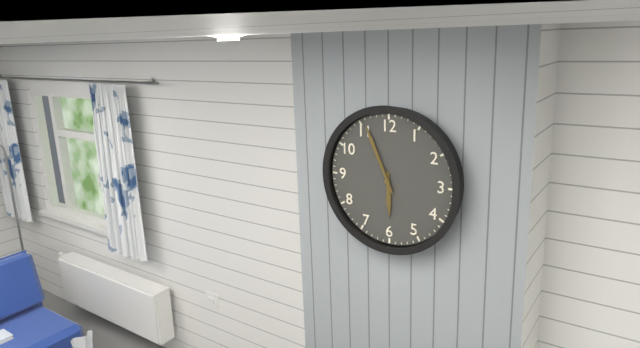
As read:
h=5 m=56
